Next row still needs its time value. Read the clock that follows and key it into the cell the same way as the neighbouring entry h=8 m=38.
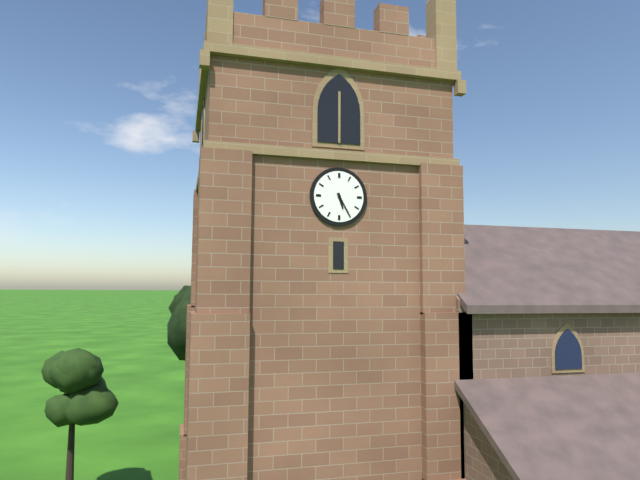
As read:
h=5 m=25
